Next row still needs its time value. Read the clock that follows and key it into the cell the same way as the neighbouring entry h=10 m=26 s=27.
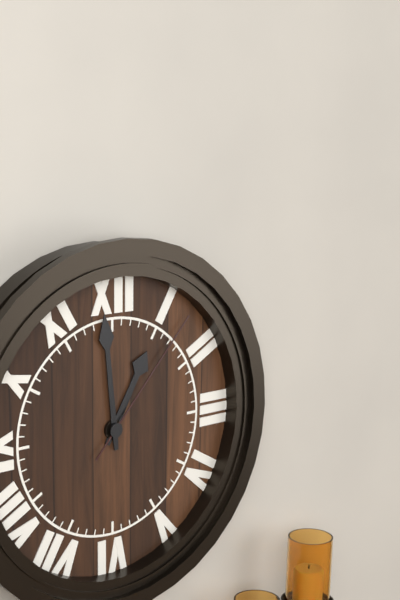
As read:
h=12 m=59 s=7
